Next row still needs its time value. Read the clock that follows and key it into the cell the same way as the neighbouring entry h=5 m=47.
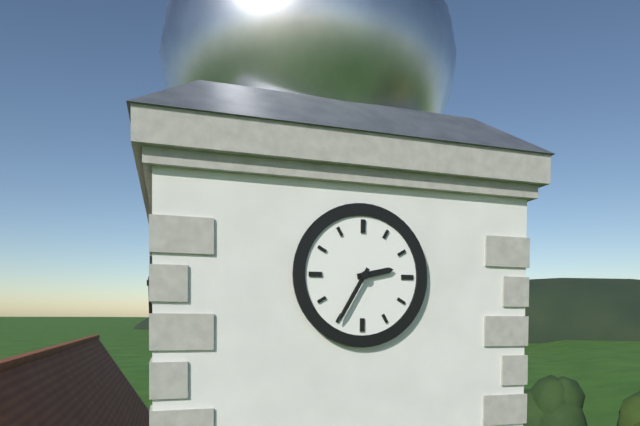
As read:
h=2 m=35
